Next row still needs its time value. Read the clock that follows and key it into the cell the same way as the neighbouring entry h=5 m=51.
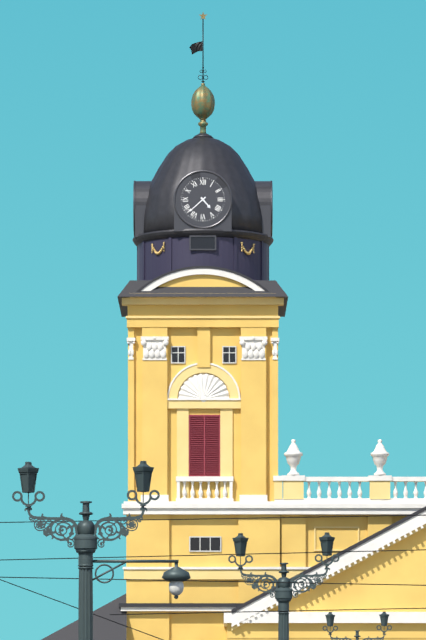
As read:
h=4 m=38
